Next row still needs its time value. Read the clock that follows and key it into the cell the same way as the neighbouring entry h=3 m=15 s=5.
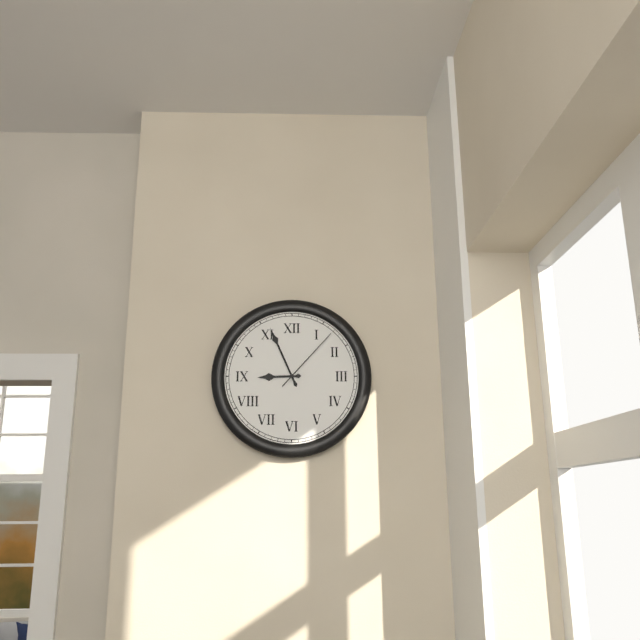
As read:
h=8 m=56 s=7
